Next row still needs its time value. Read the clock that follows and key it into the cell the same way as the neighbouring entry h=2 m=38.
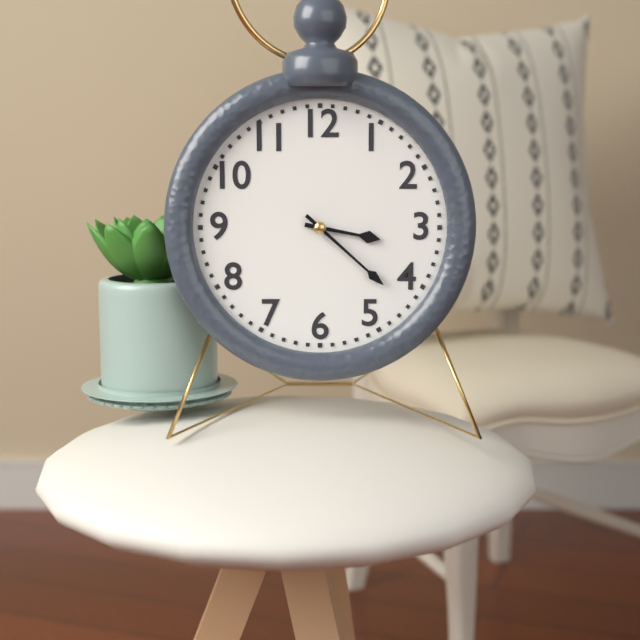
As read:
h=3 m=22
